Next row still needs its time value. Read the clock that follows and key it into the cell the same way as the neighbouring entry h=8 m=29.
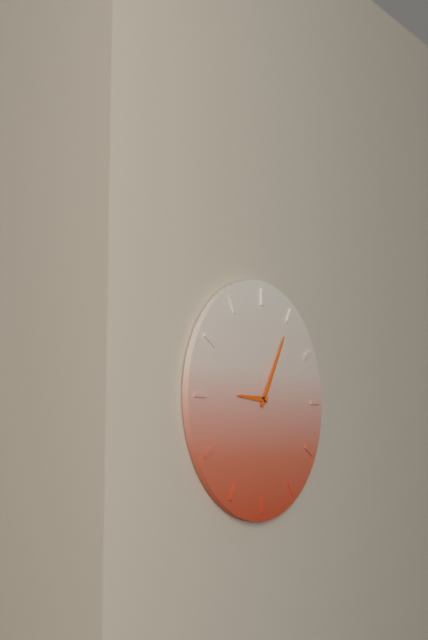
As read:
h=9 m=5
